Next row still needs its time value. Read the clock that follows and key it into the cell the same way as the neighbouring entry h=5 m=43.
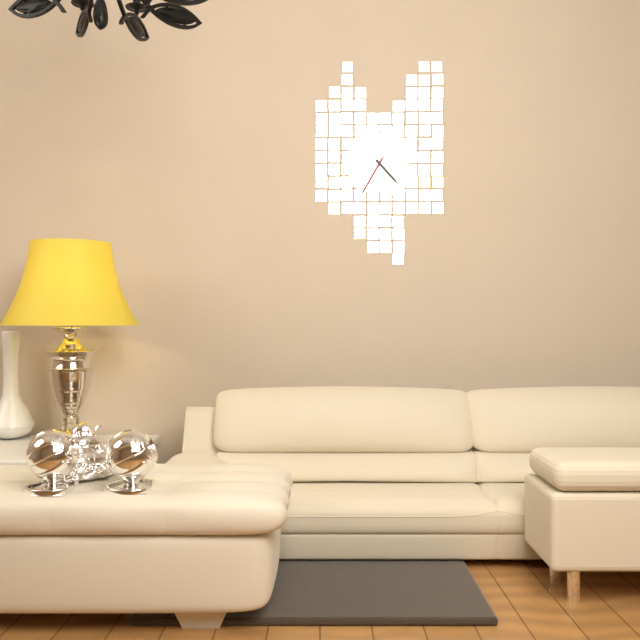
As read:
h=4 m=35
